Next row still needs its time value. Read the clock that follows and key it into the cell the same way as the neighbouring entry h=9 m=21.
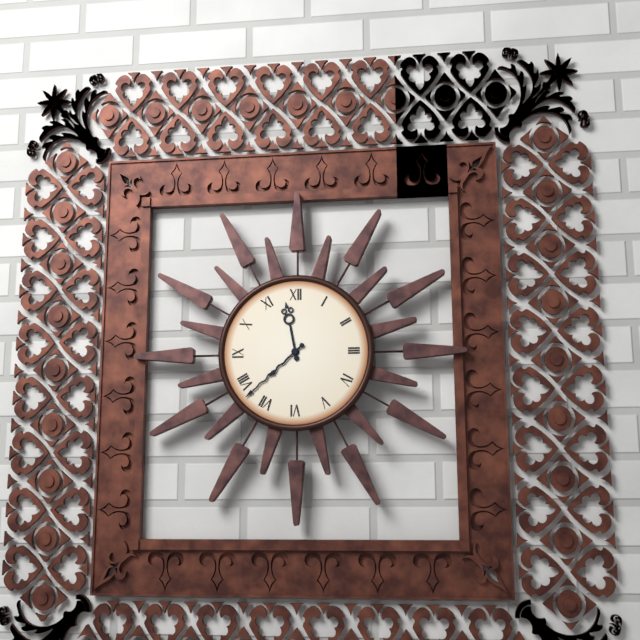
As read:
h=11 m=38
